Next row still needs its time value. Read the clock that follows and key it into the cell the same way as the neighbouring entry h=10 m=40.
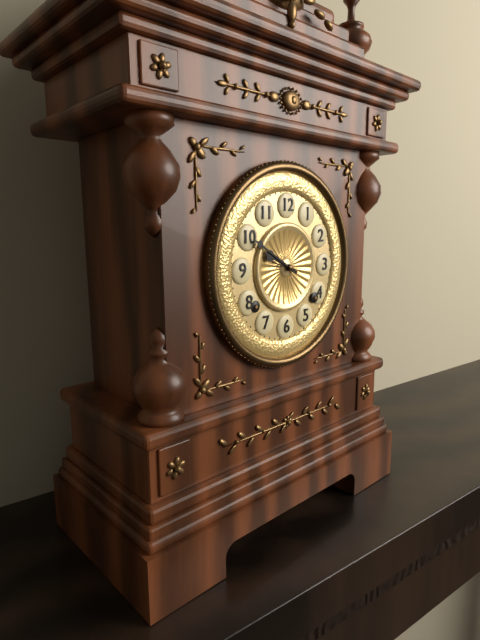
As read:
h=9 m=50
